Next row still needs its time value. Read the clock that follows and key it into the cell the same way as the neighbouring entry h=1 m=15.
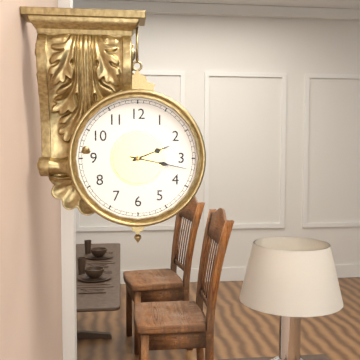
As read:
h=2 m=17
